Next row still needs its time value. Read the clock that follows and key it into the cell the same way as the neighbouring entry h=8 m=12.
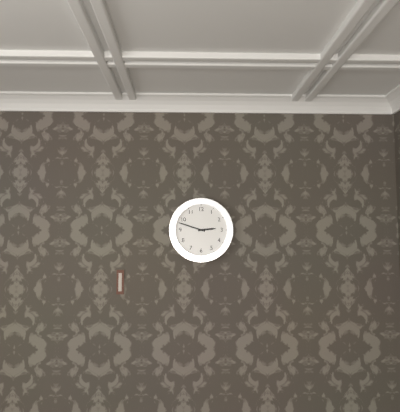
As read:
h=2 m=48
